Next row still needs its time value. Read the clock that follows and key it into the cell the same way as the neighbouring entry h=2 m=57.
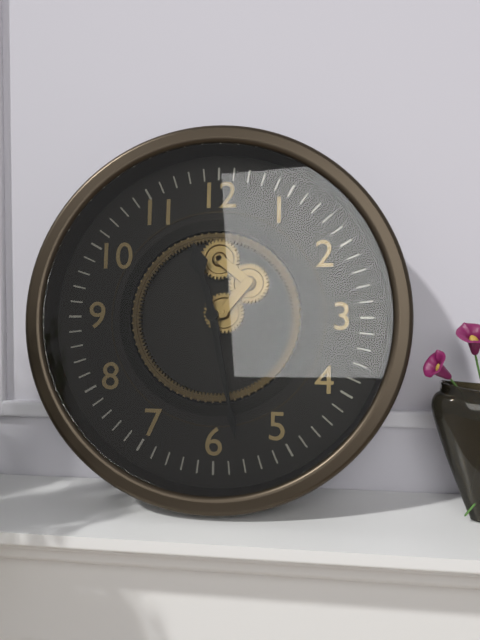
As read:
h=11 m=28
